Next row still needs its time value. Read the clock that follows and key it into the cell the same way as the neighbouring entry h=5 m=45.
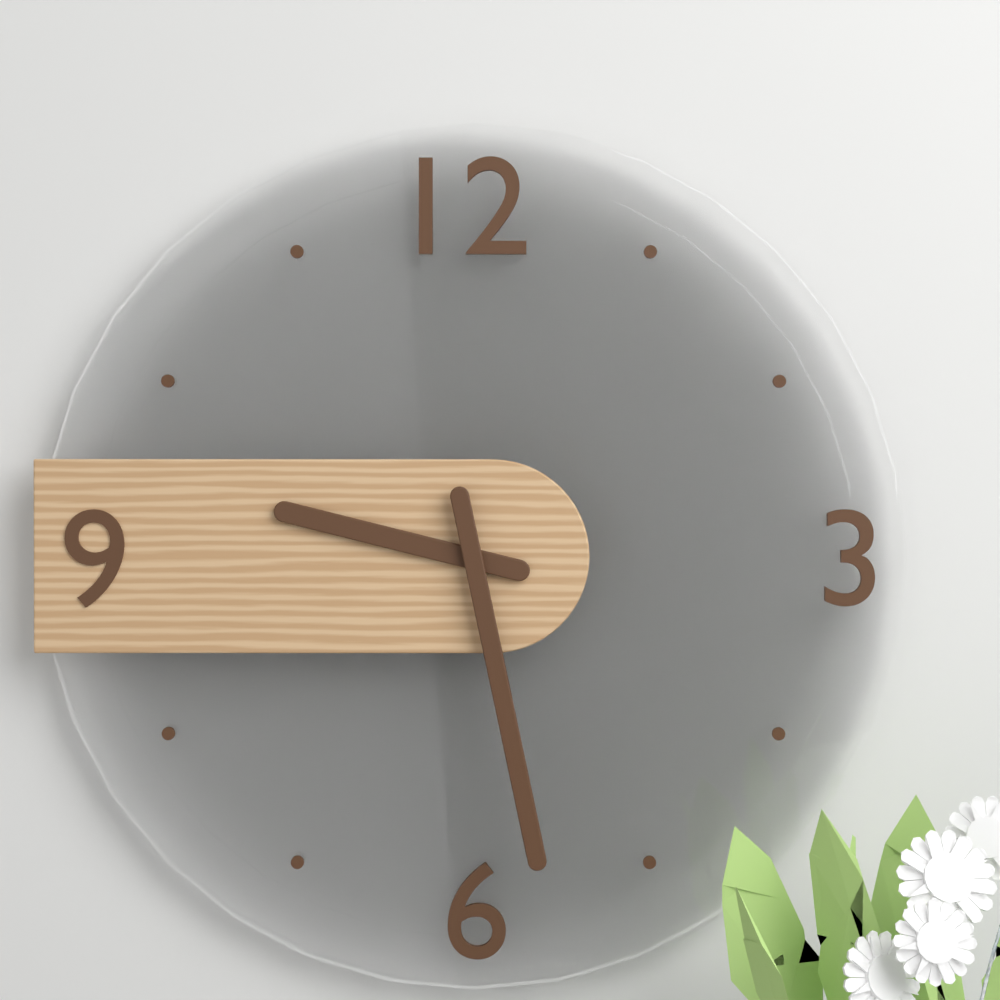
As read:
h=9 m=28
